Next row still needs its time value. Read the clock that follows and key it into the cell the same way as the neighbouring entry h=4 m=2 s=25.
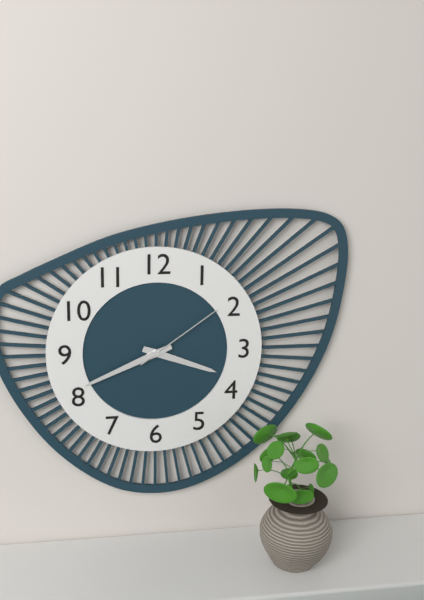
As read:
h=3 m=41 s=9
